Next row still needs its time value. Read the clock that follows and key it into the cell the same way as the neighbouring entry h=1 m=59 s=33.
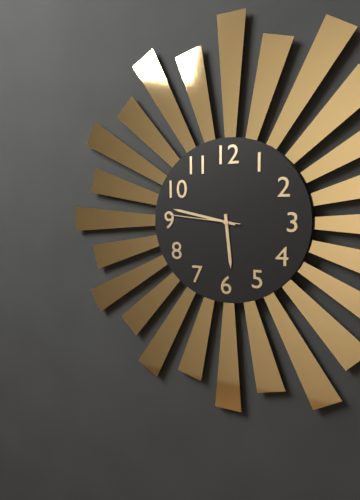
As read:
h=5 m=47 s=46
